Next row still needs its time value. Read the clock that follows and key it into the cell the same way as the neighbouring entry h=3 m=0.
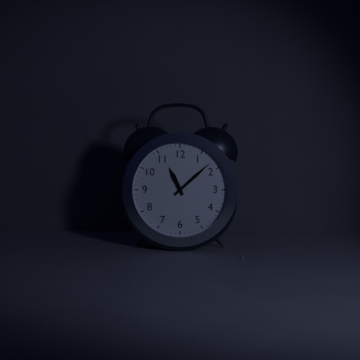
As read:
h=11 m=8
